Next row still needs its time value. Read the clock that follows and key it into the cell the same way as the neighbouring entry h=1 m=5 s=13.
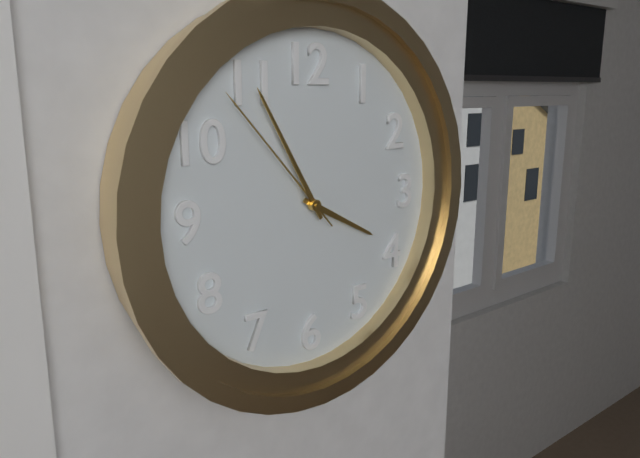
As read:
h=3 m=55 s=53
